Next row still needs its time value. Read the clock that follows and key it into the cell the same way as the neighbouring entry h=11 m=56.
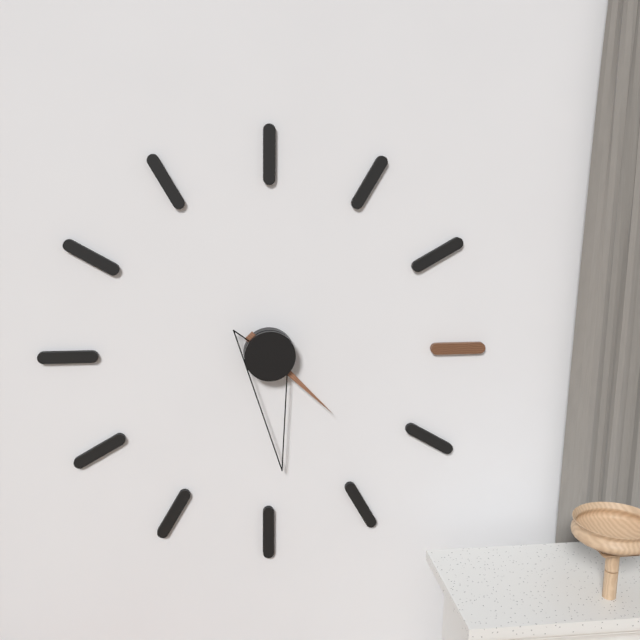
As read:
h=4 m=29
